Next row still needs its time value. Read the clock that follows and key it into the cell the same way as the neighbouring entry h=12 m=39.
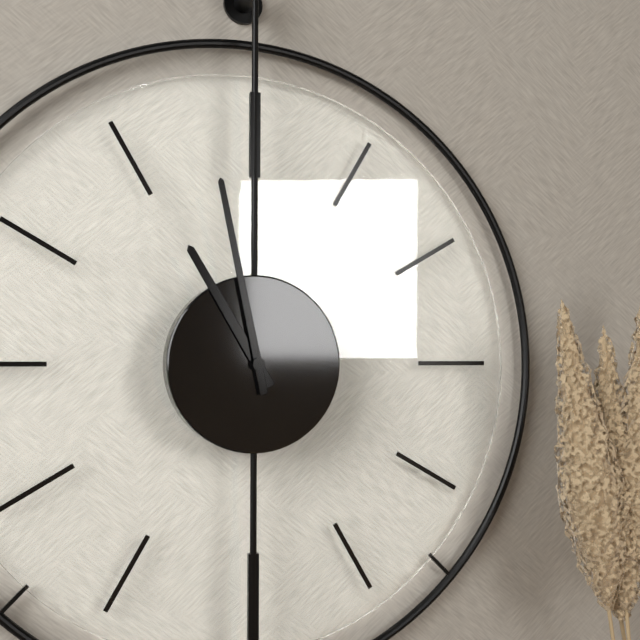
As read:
h=10 m=58
